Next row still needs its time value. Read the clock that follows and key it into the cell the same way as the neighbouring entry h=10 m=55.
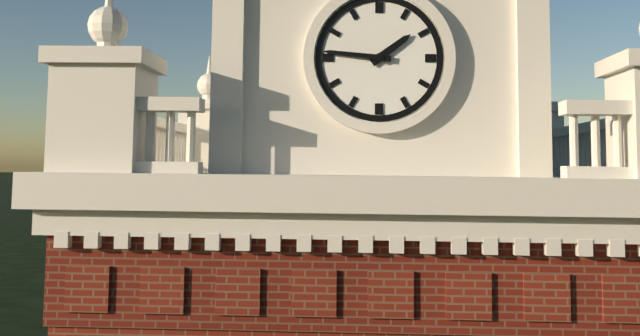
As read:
h=1 m=46
